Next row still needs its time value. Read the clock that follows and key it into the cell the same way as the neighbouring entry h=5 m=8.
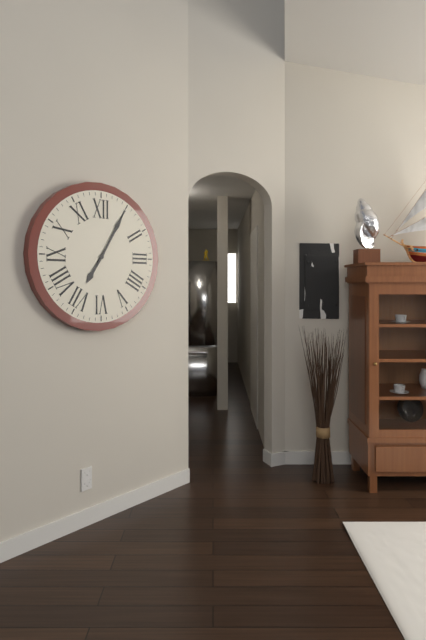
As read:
h=7 m=5
